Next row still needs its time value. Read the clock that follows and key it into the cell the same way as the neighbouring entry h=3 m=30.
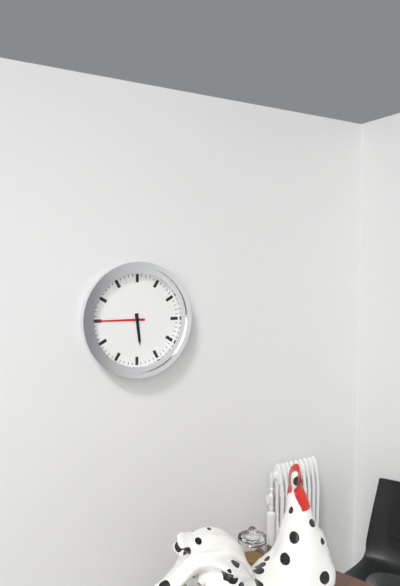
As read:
h=5 m=45
